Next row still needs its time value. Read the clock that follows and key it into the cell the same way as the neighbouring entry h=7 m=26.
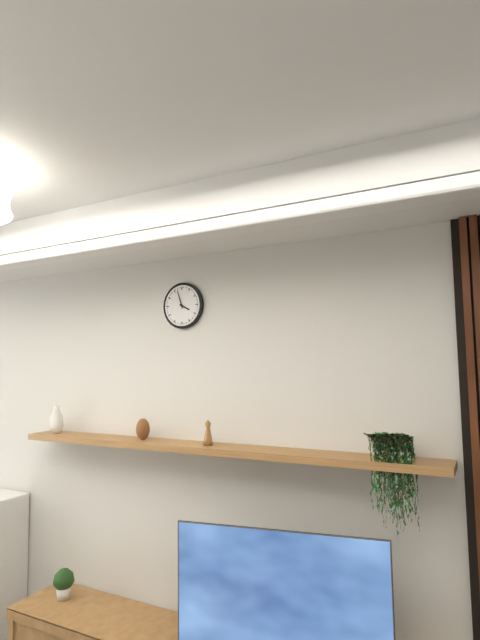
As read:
h=3 m=57
